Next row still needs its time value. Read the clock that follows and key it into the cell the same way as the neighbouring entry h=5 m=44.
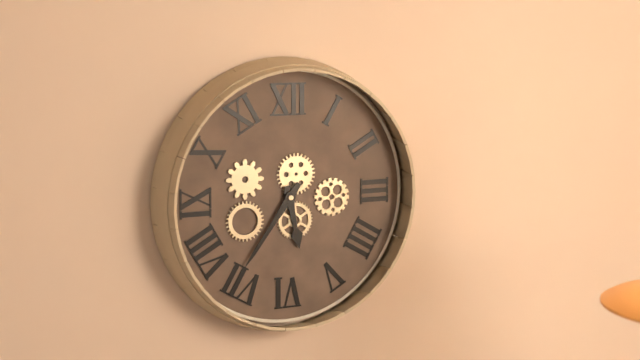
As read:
h=5 m=36
